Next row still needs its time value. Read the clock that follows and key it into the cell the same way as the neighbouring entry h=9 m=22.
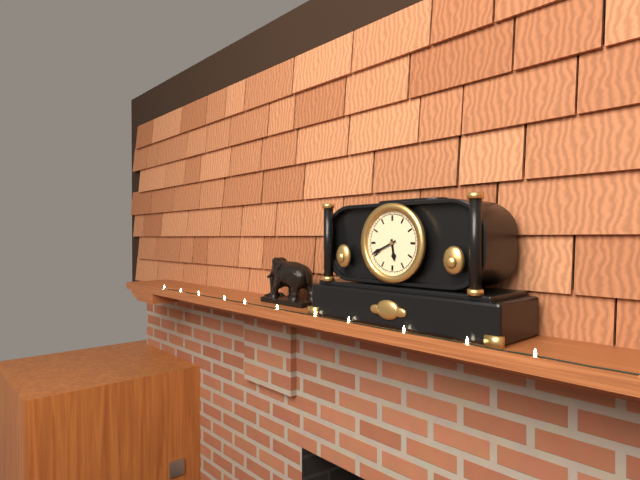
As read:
h=5 m=41
